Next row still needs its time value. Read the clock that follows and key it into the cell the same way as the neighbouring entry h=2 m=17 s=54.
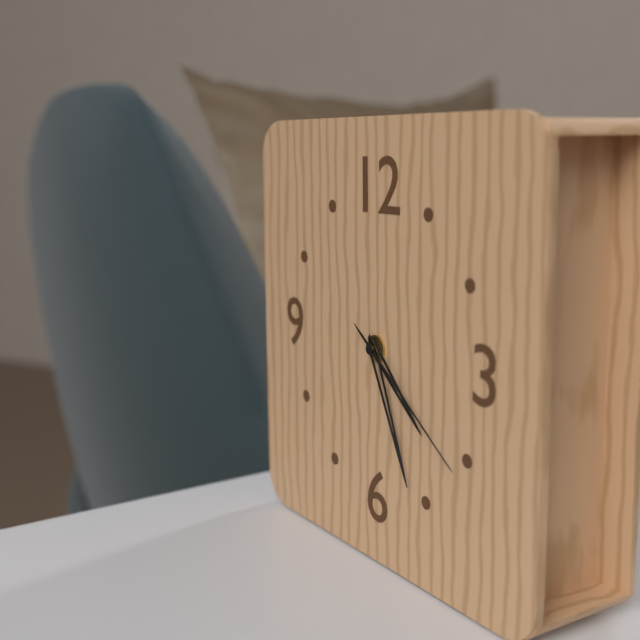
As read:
h=4 m=26 s=21
